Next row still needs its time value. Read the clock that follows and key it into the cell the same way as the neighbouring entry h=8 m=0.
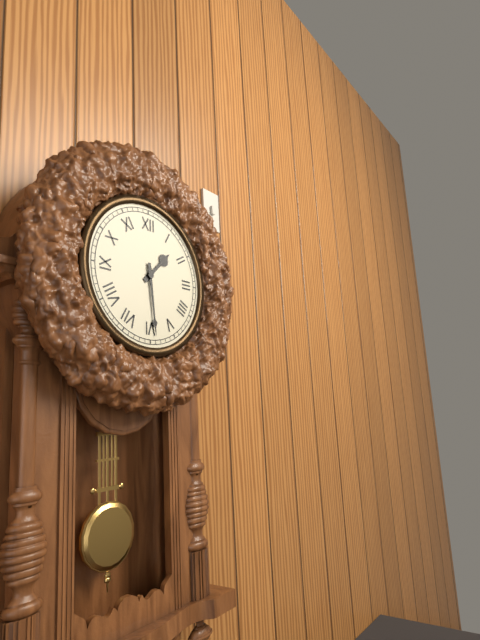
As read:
h=1 m=29
